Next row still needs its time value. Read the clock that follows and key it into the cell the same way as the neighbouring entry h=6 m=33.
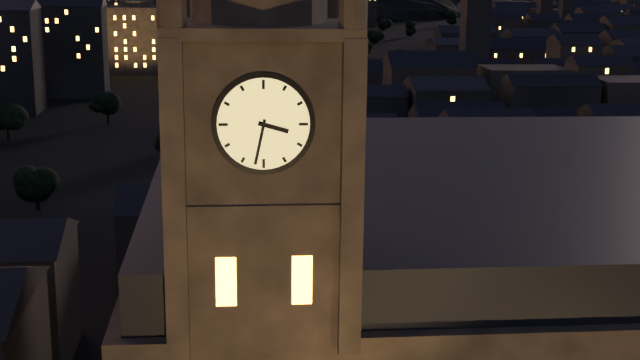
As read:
h=3 m=32
